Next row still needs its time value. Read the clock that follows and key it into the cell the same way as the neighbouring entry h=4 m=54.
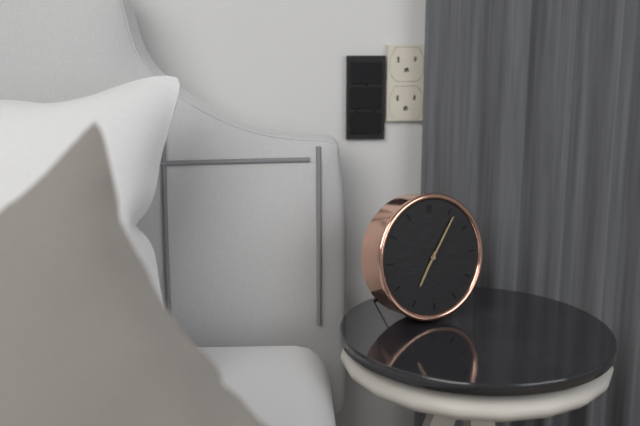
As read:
h=7 m=6
